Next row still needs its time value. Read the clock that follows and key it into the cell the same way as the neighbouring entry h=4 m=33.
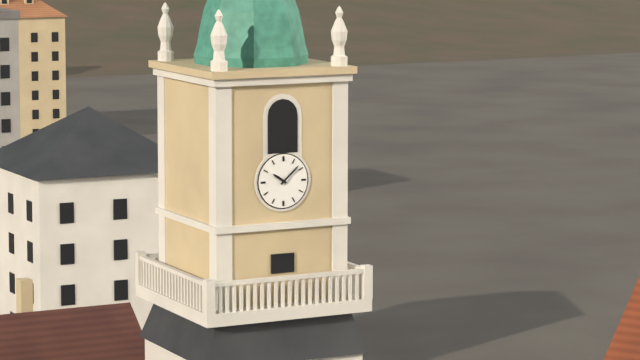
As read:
h=10 m=8
